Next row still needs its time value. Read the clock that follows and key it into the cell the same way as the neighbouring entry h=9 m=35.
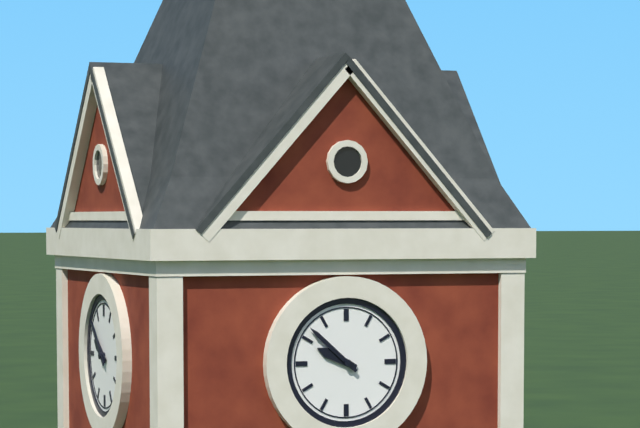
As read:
h=9 m=52
